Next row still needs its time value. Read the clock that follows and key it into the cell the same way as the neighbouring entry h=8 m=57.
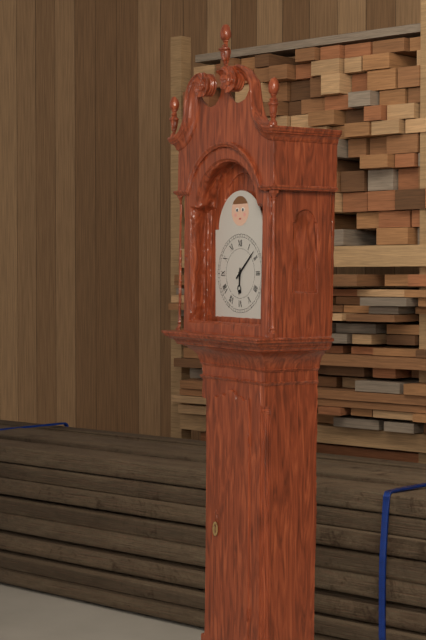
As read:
h=6 m=8
